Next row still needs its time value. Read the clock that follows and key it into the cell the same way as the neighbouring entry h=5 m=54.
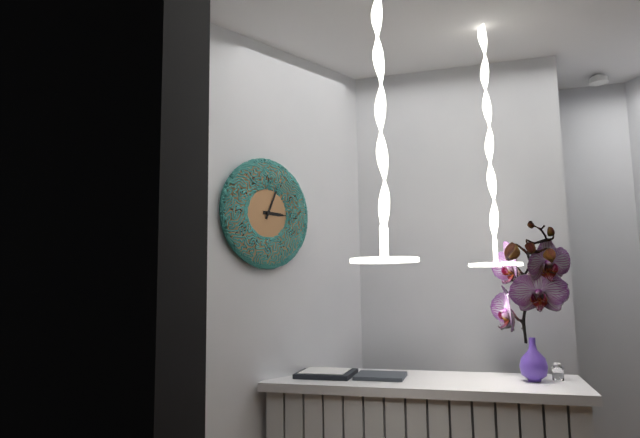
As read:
h=3 m=4
